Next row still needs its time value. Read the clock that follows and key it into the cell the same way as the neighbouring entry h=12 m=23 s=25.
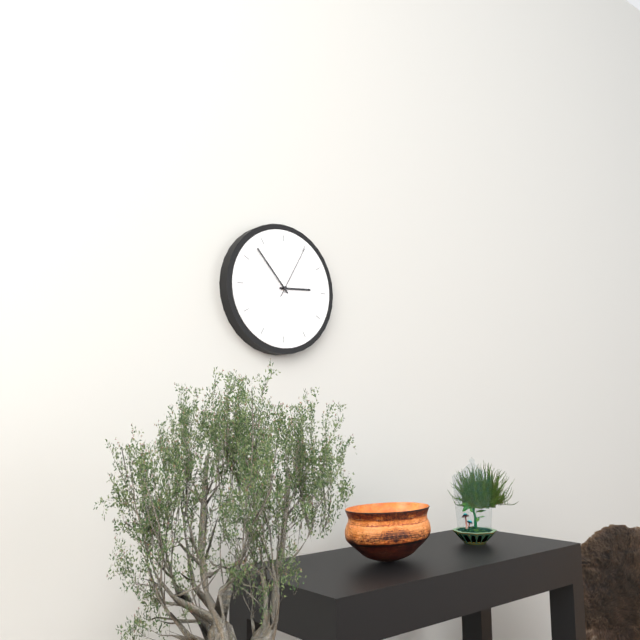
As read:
h=2 m=53 s=5
